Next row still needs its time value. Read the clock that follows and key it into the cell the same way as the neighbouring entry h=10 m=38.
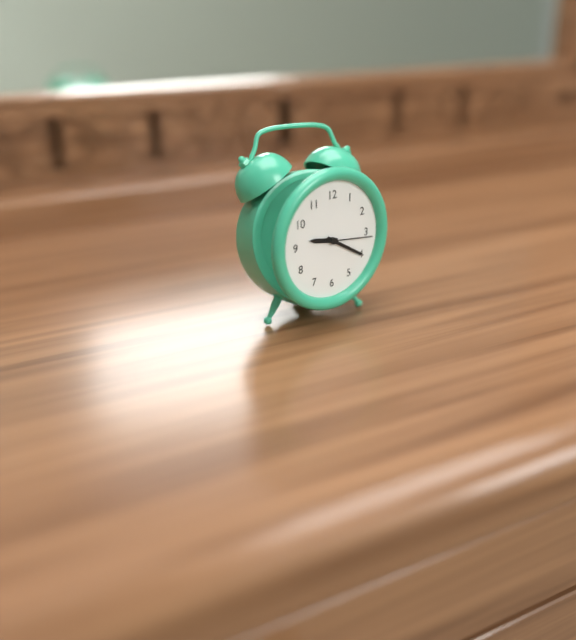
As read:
h=9 m=20
